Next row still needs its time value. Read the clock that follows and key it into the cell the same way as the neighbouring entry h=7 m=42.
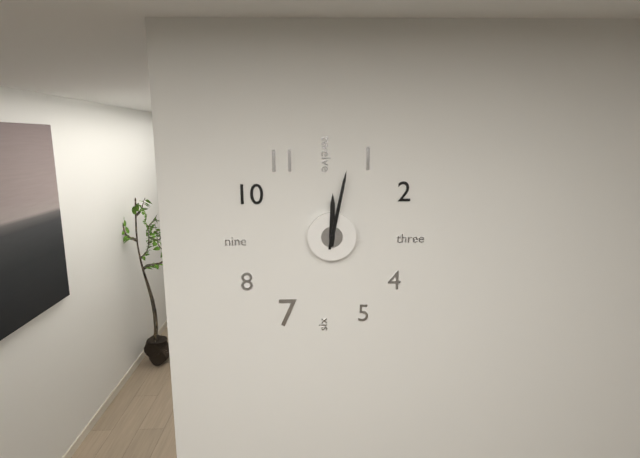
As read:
h=12 m=2
